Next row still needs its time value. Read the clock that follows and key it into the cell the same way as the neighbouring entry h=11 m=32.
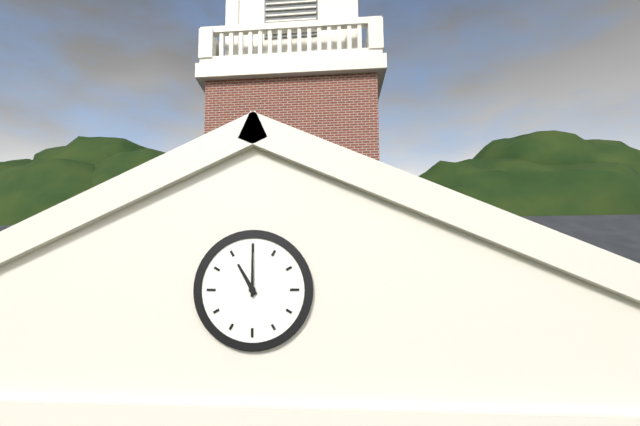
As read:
h=11 m=0
